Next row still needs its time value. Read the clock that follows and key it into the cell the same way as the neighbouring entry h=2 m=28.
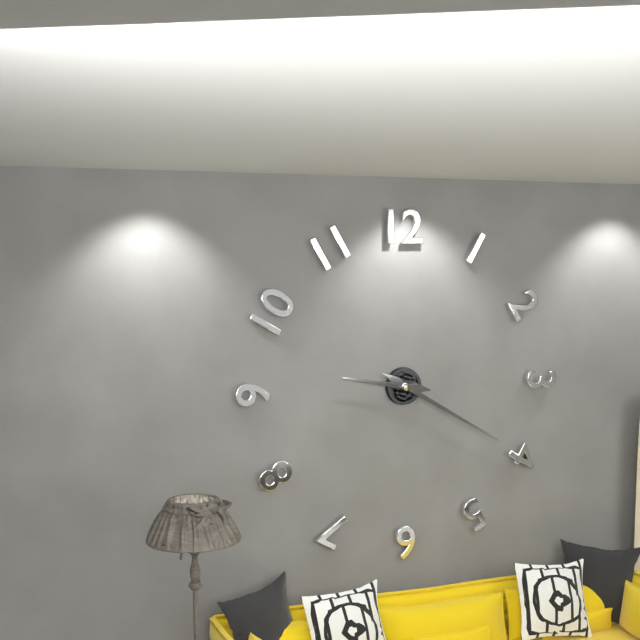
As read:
h=9 m=20
